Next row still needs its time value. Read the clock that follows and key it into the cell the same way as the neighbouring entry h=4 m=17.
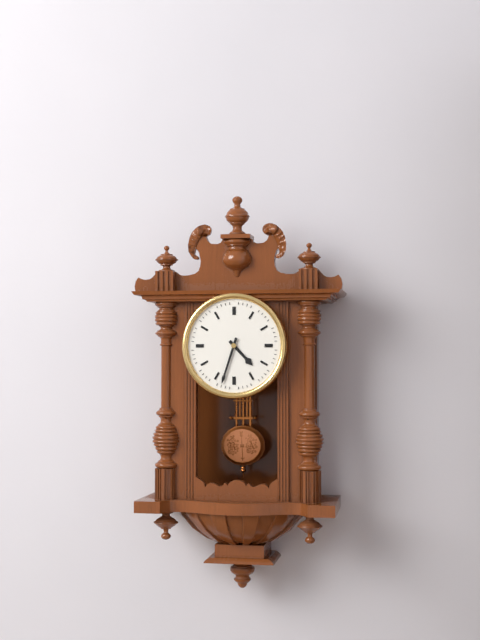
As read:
h=4 m=33
